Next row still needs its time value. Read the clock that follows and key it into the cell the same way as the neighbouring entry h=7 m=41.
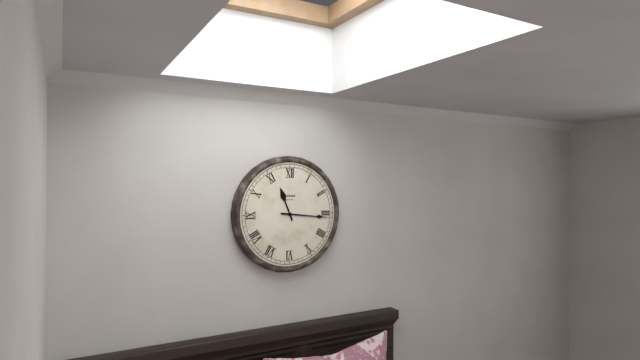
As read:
h=11 m=16
